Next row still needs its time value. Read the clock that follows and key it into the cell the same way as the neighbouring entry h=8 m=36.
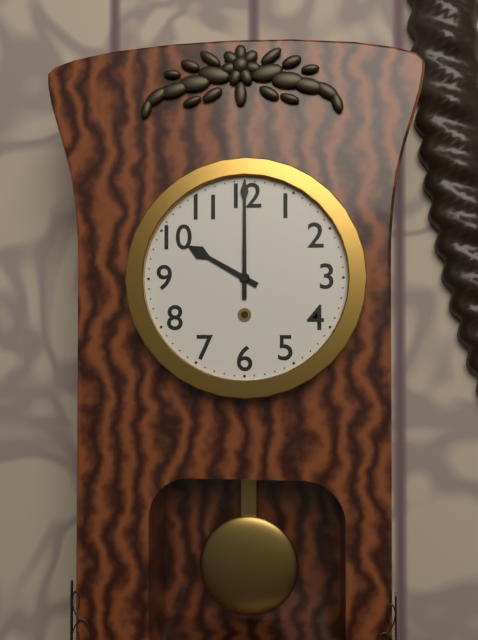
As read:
h=10 m=0
